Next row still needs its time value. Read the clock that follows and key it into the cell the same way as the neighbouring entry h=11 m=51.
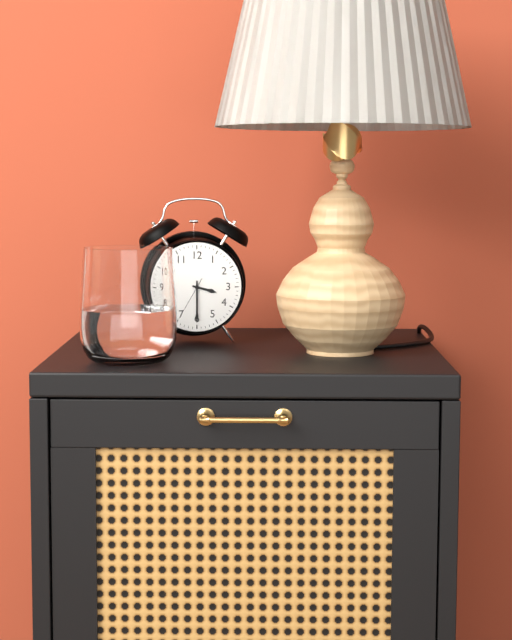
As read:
h=3 m=30
